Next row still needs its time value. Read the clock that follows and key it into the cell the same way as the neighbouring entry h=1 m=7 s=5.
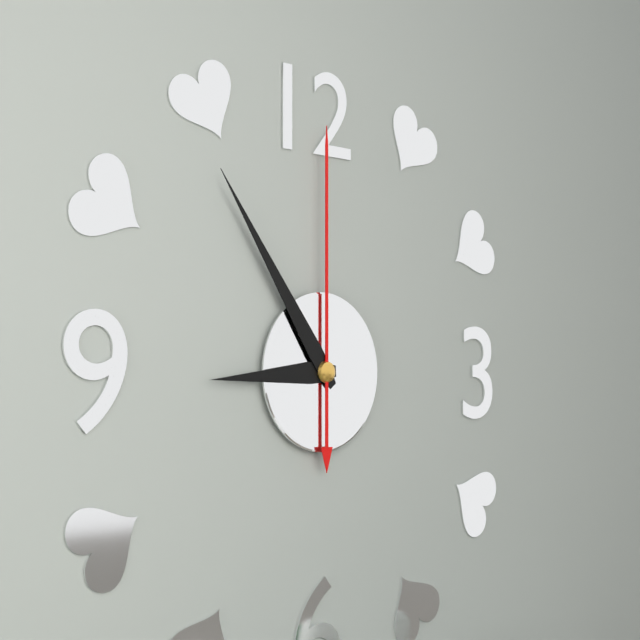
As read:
h=8 m=54 s=0
